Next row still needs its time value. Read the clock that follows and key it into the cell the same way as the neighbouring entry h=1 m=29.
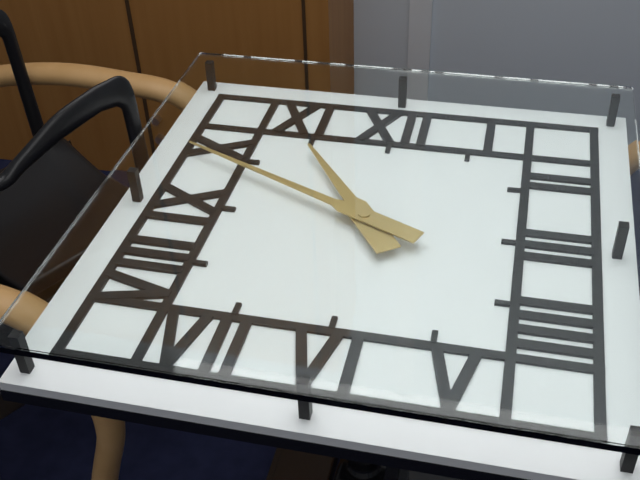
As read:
h=10 m=49
